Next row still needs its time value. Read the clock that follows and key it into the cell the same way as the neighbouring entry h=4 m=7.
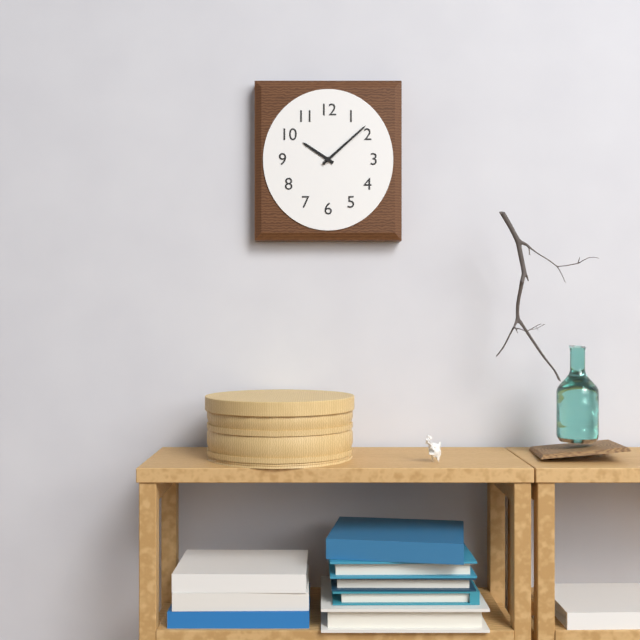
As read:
h=10 m=8
